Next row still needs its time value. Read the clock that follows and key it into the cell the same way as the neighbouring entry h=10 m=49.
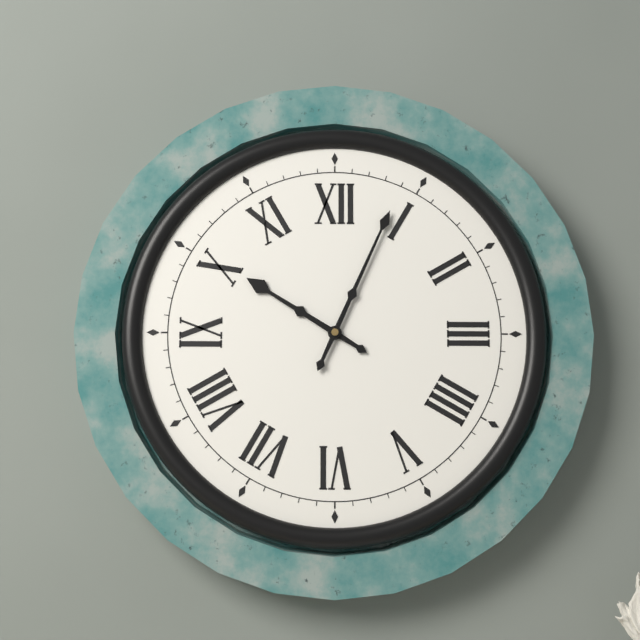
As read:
h=10 m=4
